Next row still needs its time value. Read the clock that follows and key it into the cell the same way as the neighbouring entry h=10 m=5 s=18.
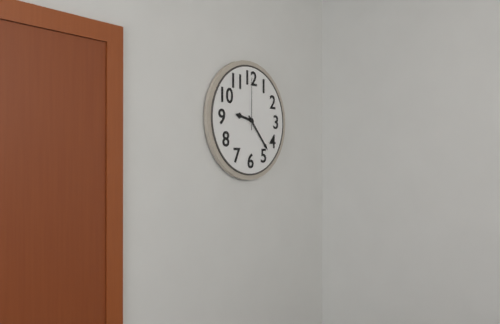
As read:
h=9 m=23 s=0
